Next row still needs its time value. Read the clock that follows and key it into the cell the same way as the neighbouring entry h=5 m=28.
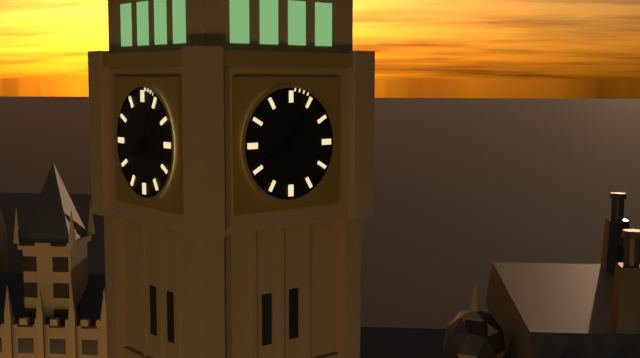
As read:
h=8 m=5
